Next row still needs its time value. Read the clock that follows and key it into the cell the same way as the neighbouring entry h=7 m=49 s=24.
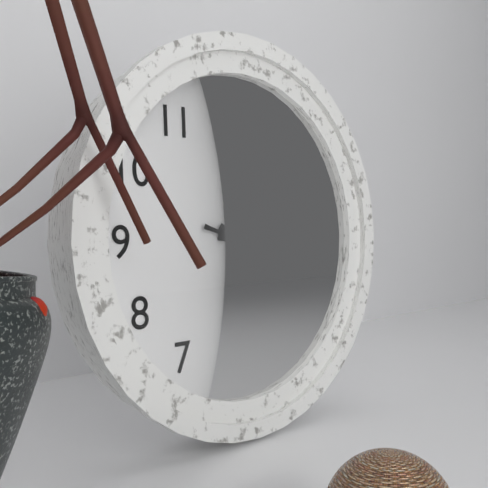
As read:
h=3 m=21 s=18
